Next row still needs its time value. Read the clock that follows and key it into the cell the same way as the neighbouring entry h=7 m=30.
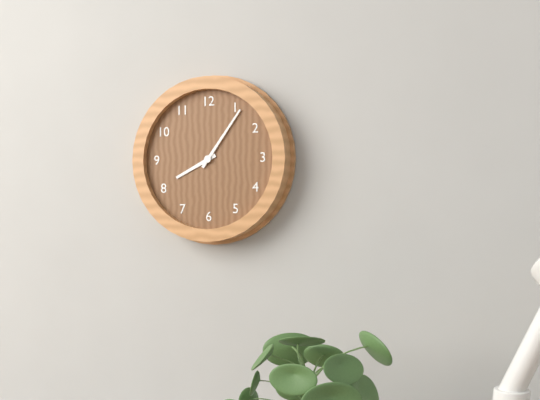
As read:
h=8 m=6
